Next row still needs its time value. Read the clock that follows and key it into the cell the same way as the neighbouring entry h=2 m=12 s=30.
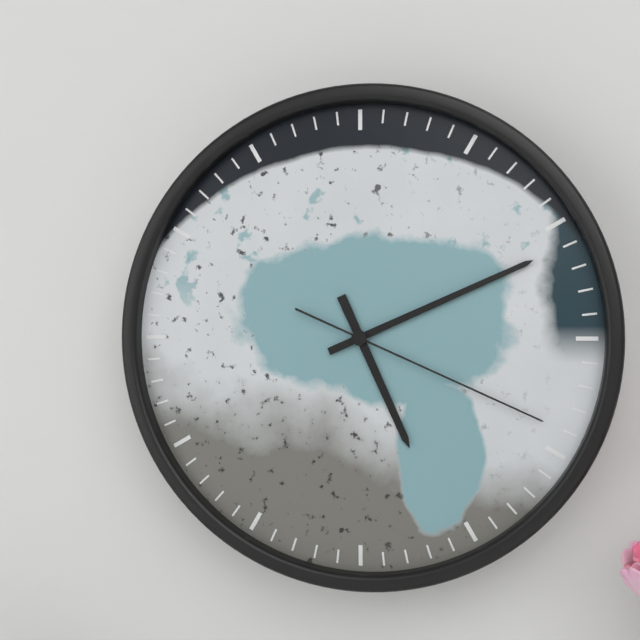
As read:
h=5 m=11 s=19
